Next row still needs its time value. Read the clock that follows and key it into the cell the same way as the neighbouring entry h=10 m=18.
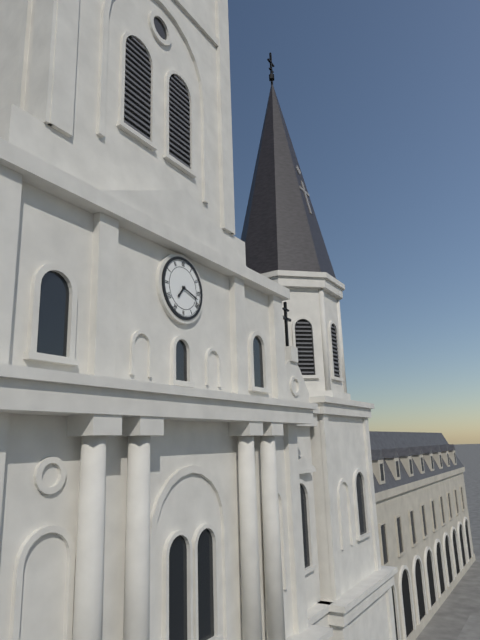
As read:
h=7 m=18
